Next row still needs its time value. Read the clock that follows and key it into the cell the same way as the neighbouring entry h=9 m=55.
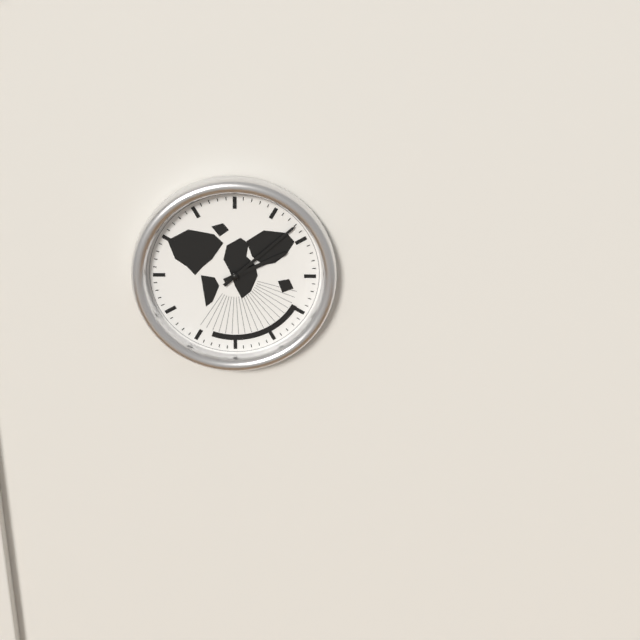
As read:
h=2 m=8
